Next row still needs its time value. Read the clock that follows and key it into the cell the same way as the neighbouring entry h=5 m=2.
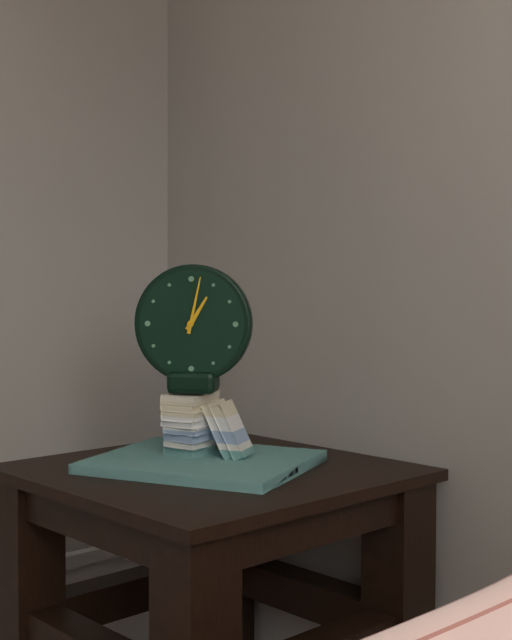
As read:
h=1 m=2
